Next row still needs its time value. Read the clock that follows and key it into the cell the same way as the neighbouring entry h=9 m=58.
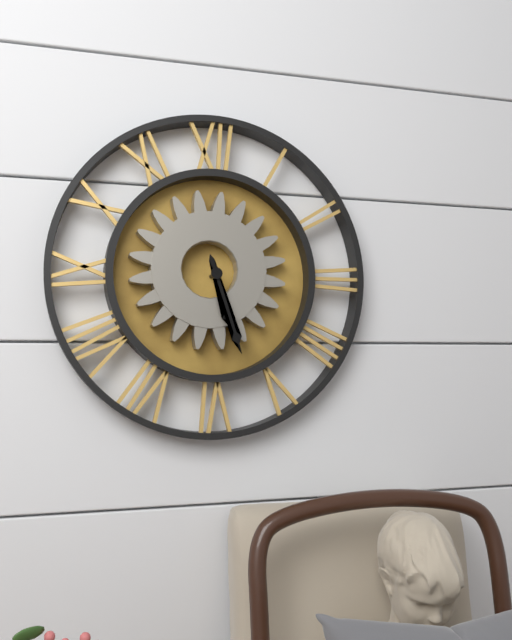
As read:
h=5 m=27
